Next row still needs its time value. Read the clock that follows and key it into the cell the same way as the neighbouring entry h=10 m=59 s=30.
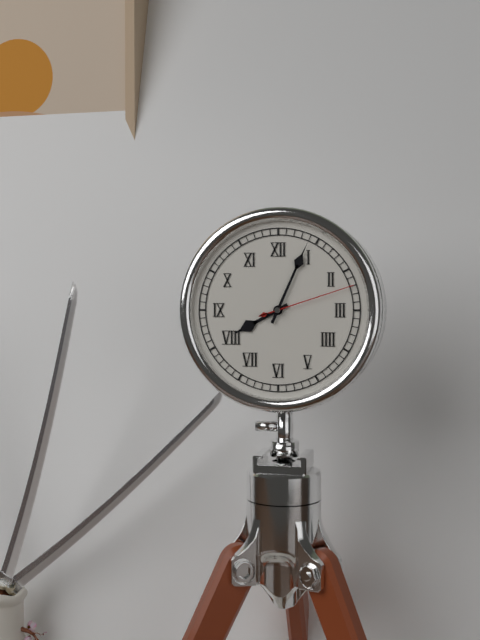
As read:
h=8 m=4 s=12
